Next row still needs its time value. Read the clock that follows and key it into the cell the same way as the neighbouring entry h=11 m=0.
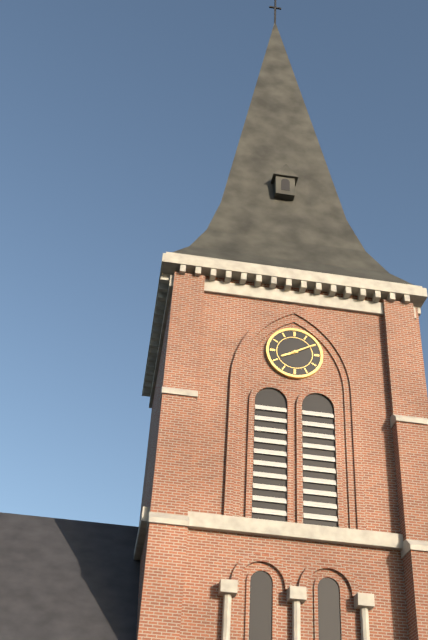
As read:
h=8 m=10
